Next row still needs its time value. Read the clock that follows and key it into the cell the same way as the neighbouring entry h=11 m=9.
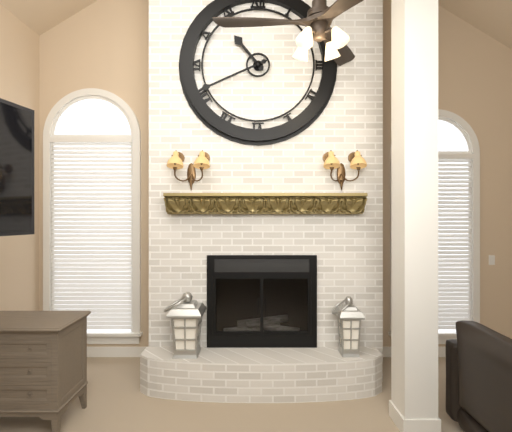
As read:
h=10 m=41
